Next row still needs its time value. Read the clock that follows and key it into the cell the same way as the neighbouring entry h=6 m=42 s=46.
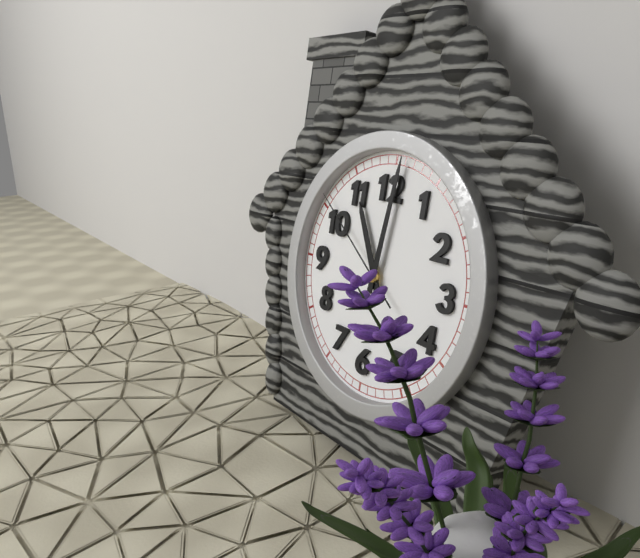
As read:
h=11 m=1 s=51
